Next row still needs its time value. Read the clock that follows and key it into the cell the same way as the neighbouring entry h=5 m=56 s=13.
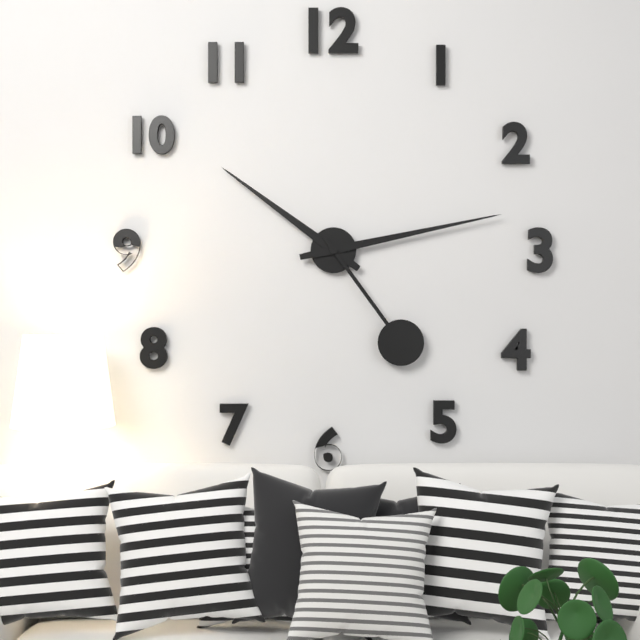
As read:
h=10 m=13 s=24
